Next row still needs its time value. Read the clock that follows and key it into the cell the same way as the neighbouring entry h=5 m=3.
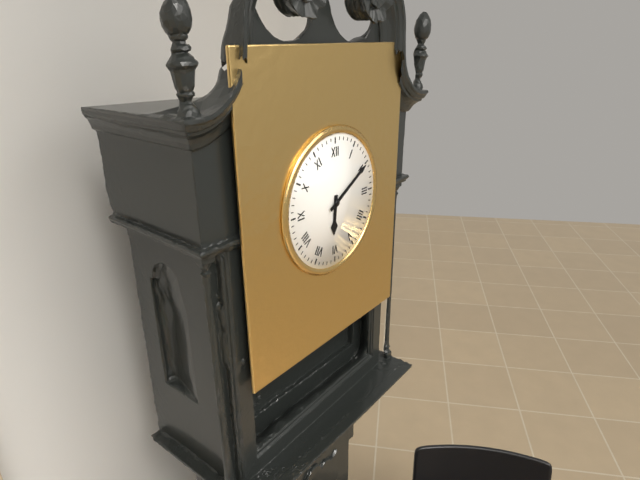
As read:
h=6 m=10
